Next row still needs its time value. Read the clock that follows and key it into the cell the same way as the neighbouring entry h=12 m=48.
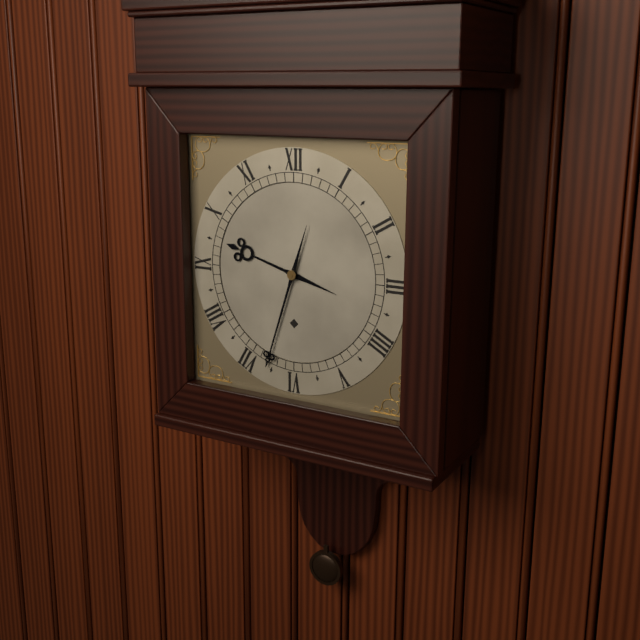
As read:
h=9 m=33
